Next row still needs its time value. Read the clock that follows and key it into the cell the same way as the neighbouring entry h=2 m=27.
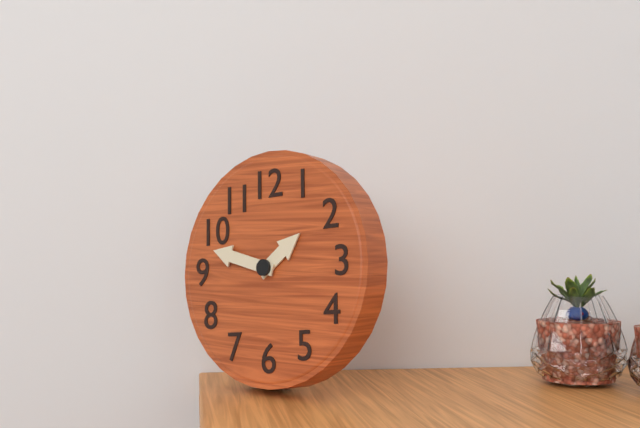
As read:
h=1 m=48
